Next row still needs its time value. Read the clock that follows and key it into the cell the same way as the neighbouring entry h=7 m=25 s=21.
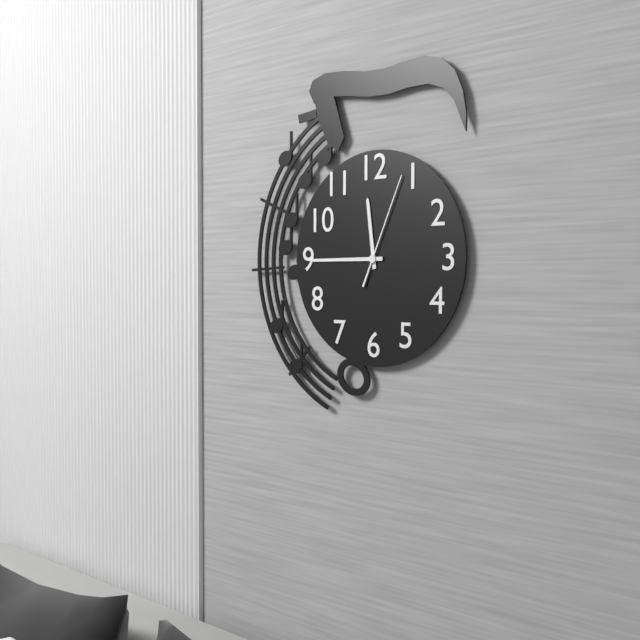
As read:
h=11 m=45 s=4
